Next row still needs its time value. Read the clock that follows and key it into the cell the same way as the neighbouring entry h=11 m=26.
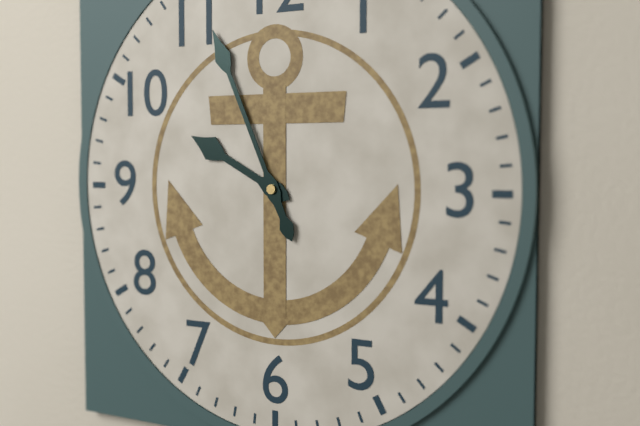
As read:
h=9 m=56
